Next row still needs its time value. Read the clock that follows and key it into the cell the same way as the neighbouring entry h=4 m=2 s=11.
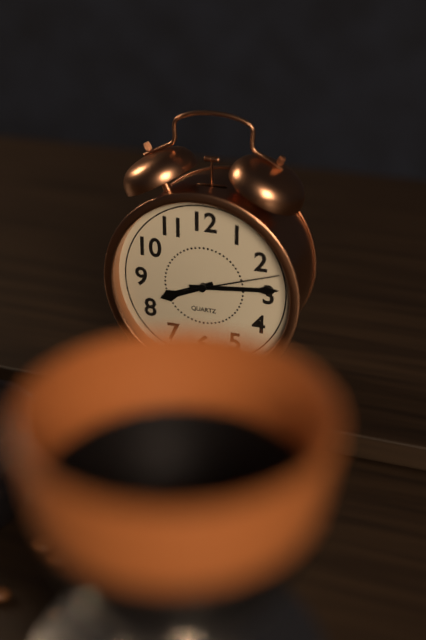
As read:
h=8 m=14 s=12
